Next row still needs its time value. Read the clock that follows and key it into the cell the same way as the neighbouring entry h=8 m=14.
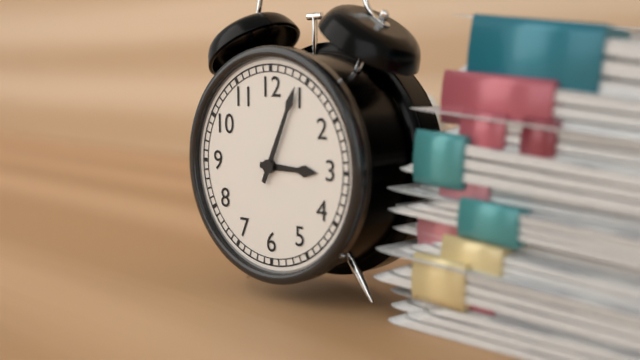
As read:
h=3 m=4
